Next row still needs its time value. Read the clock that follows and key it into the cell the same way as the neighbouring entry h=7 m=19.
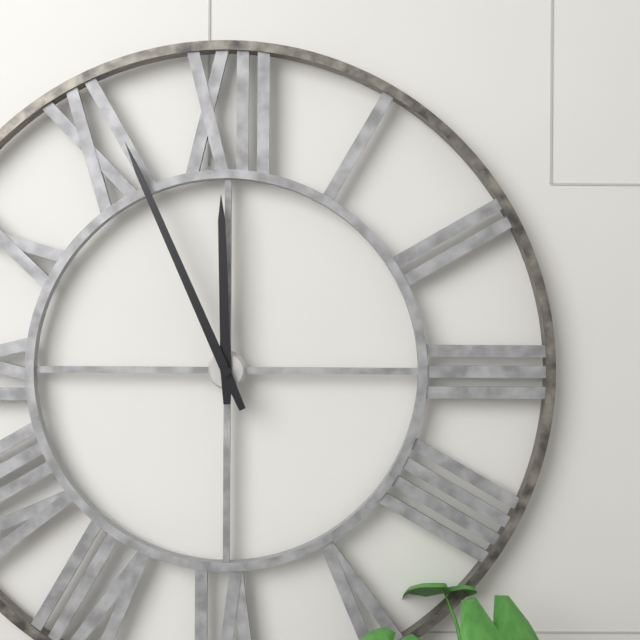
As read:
h=11 m=56
